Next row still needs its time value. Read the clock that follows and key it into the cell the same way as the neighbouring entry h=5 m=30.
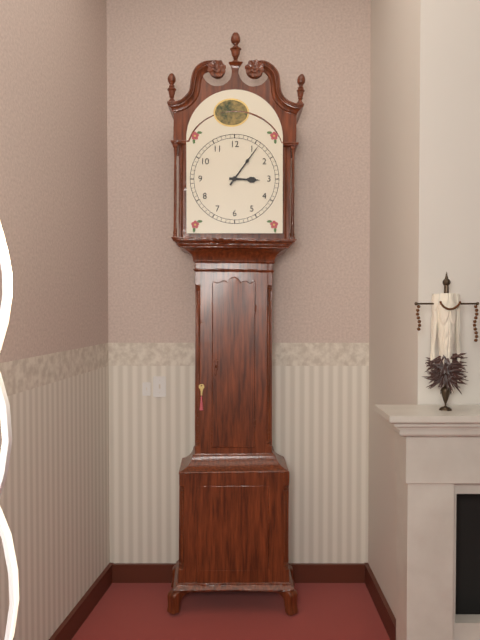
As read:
h=3 m=6
